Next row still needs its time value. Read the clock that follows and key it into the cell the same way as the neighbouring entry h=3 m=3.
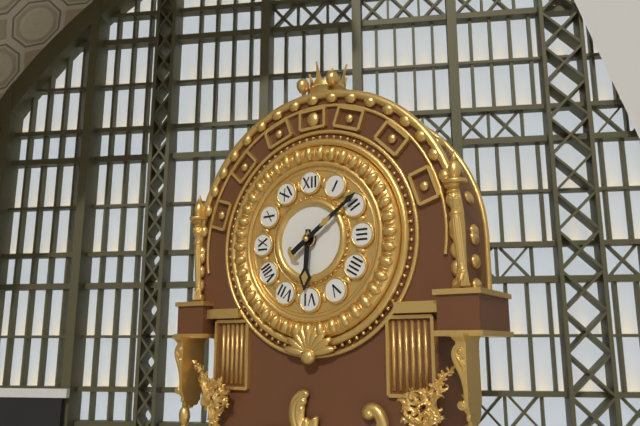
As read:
h=6 m=9
